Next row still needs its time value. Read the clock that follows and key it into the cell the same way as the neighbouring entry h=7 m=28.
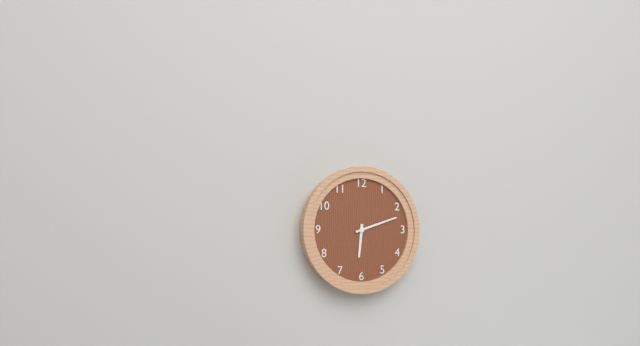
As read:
h=6 m=12
